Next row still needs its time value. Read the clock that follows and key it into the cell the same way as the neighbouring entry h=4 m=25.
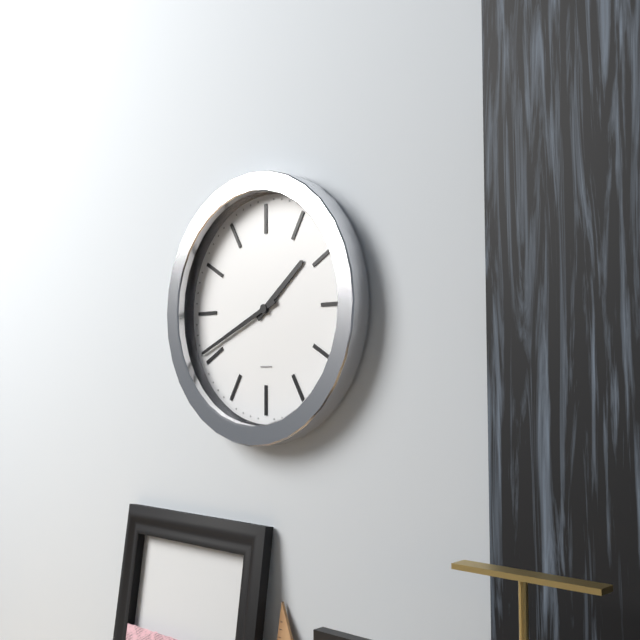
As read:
h=1 m=41
